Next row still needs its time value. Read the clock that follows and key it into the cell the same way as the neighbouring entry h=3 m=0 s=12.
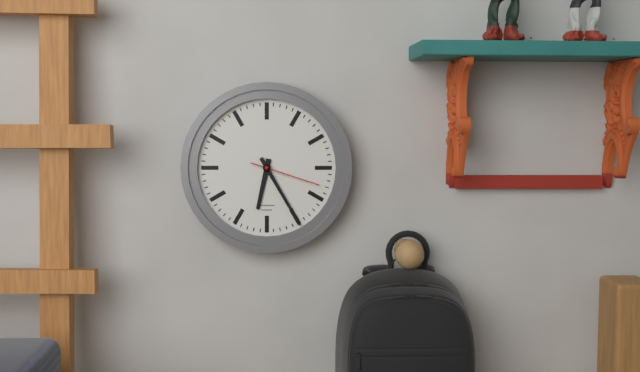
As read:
h=6 m=25 s=18
